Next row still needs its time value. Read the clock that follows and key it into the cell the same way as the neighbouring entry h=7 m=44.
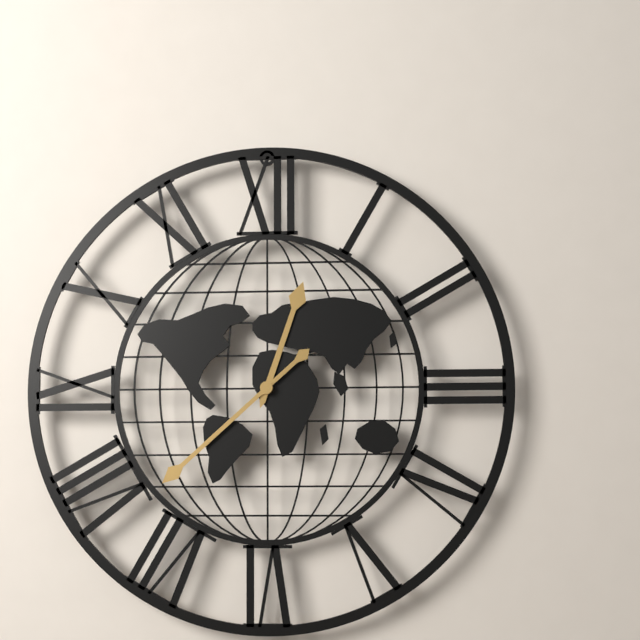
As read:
h=12 m=38
